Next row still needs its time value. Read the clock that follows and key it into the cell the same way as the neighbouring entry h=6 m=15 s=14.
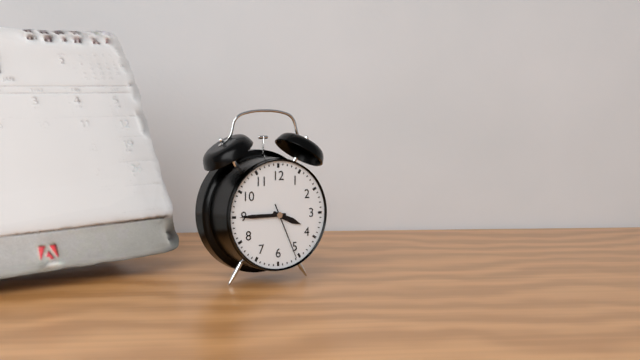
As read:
h=3 m=45 s=26
